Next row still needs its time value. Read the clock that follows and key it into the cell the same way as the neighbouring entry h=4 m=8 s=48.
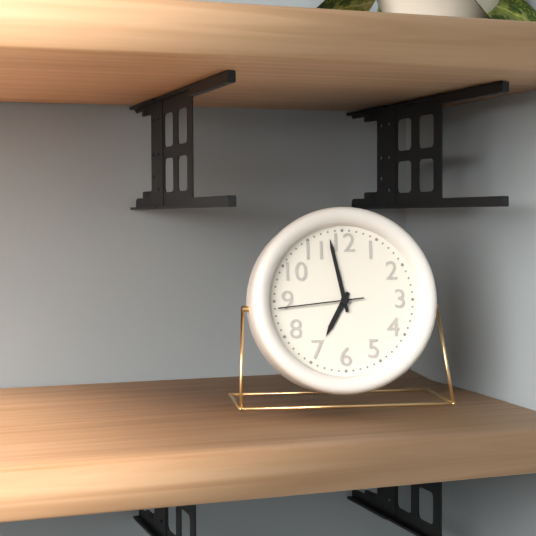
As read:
h=6 m=58 s=44
